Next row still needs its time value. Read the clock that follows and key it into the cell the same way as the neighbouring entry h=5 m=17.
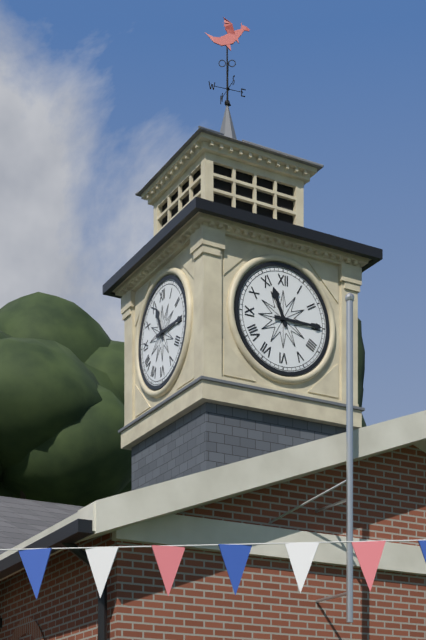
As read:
h=11 m=15
